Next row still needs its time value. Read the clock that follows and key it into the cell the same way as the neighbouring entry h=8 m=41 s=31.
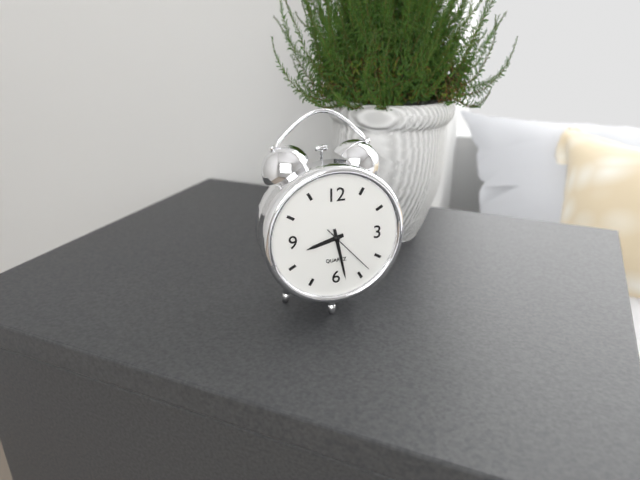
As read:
h=8 m=28 s=23
